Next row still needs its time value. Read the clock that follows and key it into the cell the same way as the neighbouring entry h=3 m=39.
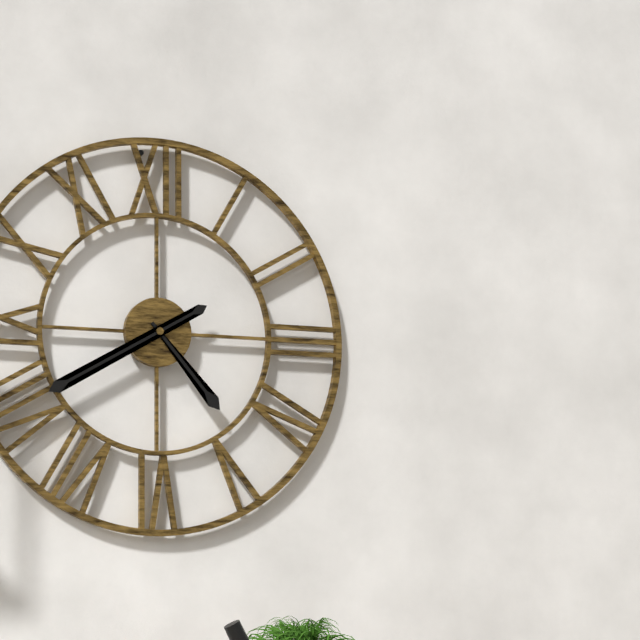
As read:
h=4 m=40
